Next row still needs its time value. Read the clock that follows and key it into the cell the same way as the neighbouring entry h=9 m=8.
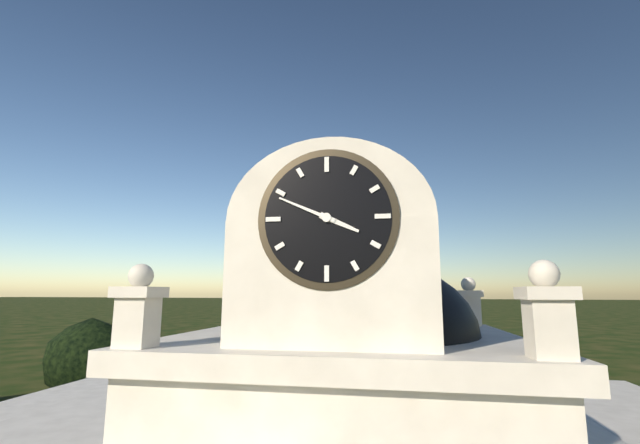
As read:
h=3 m=49
